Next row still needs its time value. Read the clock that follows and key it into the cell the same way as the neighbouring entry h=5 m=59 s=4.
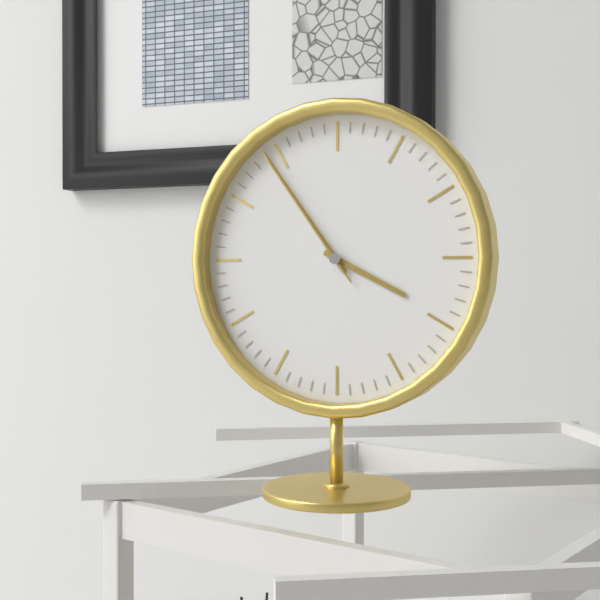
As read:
h=3 m=54 s=54
